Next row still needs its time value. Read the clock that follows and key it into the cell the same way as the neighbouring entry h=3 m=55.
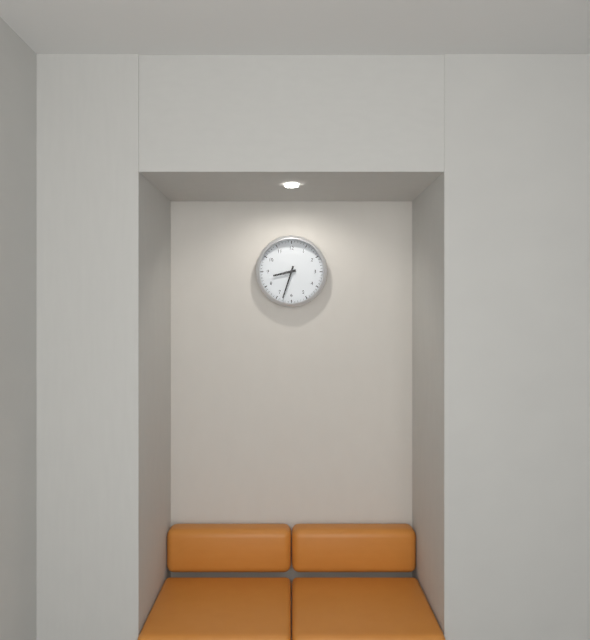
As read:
h=8 m=33
